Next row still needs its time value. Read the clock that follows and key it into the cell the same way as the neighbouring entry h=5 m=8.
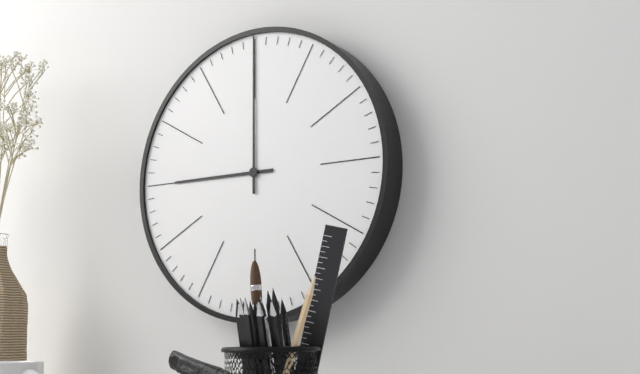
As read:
h=9 m=0
